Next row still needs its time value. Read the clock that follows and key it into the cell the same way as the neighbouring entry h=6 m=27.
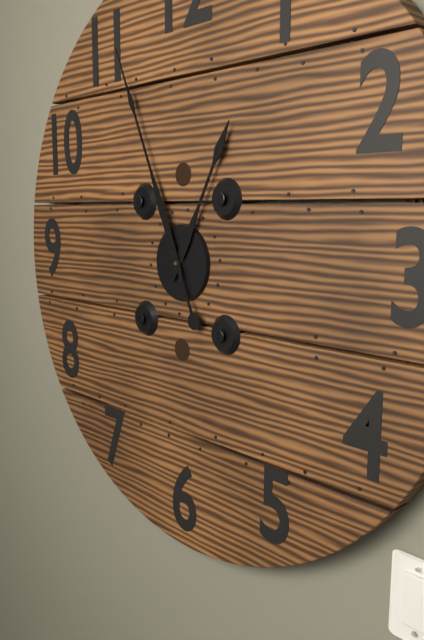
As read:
h=12 m=56
